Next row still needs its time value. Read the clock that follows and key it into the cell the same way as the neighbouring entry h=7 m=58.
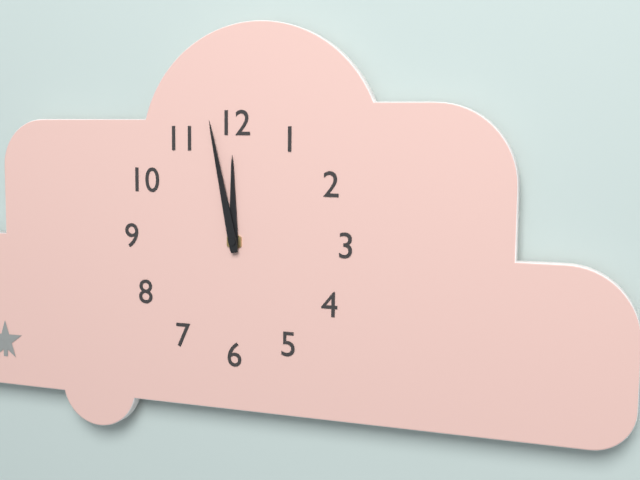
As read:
h=11 m=58
